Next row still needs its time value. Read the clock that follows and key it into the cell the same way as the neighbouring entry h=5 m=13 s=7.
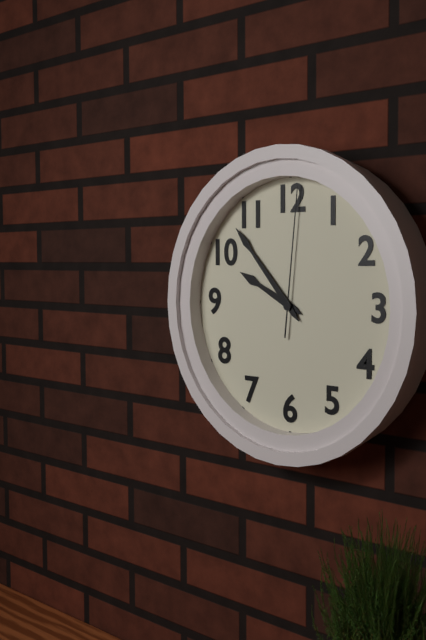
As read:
h=9 m=53 s=1
